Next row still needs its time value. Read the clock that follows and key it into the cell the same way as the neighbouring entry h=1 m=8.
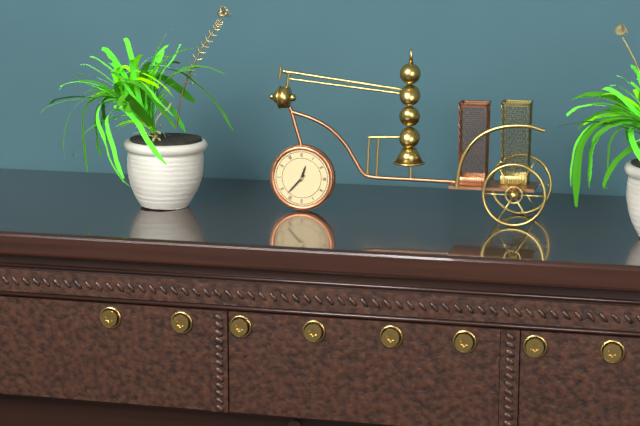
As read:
h=12 m=37
